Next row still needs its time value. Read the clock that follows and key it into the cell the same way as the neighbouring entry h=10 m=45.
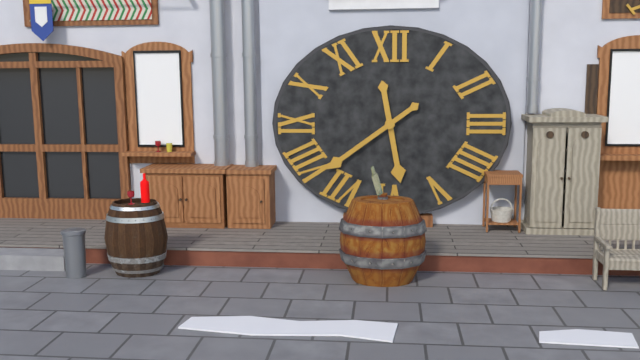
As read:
h=5 m=39
